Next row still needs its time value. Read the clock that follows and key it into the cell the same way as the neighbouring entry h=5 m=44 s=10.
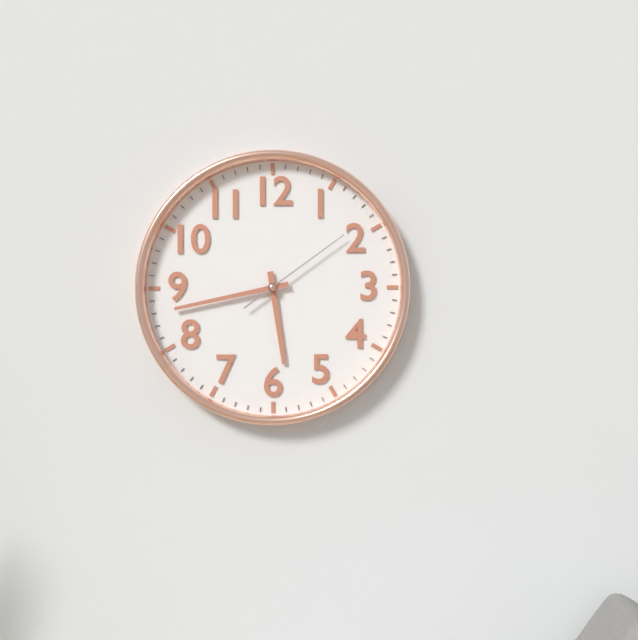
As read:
h=5 m=43 s=9
